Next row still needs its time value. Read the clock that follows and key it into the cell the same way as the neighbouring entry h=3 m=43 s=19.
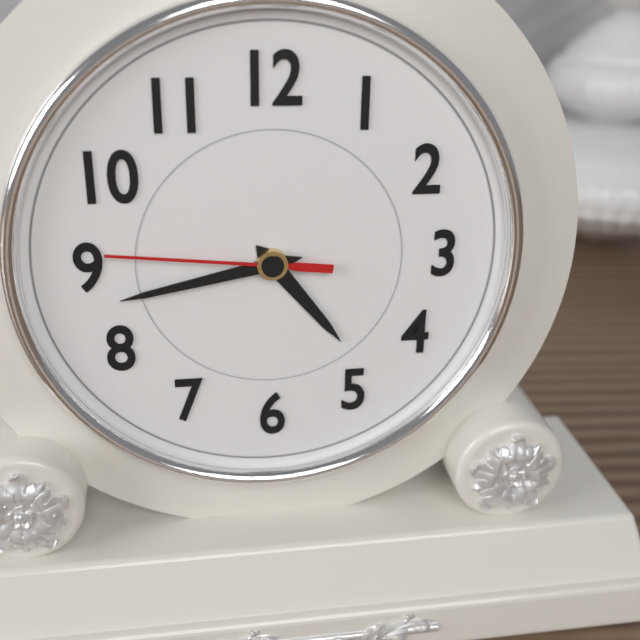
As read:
h=4 m=43 s=46
